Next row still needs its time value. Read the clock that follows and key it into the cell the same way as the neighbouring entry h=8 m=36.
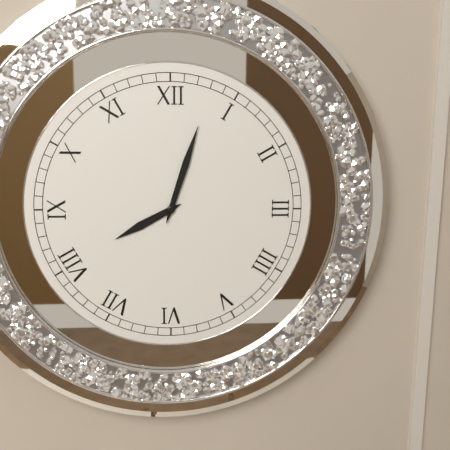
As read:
h=8 m=3
